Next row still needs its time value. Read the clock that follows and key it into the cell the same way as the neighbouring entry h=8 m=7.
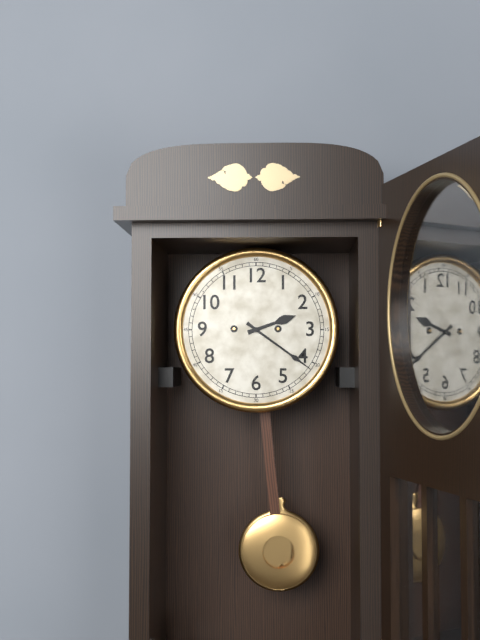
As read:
h=2 m=21
